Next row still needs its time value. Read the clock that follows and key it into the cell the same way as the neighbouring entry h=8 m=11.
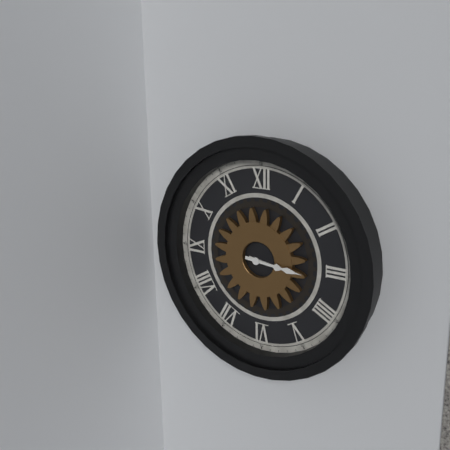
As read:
h=3 m=16
